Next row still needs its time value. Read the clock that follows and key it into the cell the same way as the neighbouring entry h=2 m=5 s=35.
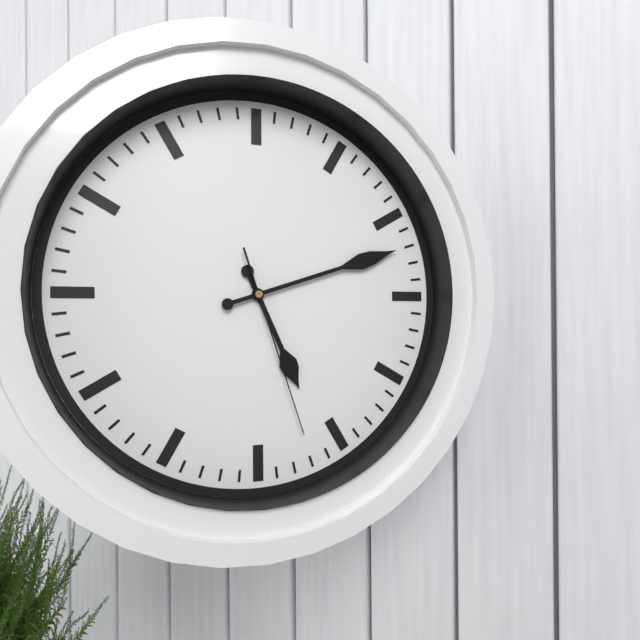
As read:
h=5 m=12 s=27
